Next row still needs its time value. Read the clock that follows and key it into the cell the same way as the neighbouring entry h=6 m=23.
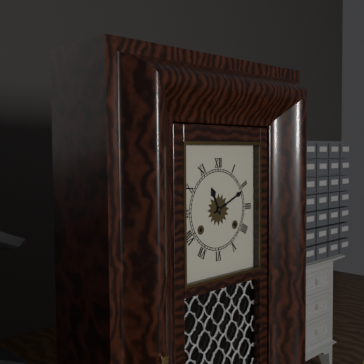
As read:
h=11 m=11
